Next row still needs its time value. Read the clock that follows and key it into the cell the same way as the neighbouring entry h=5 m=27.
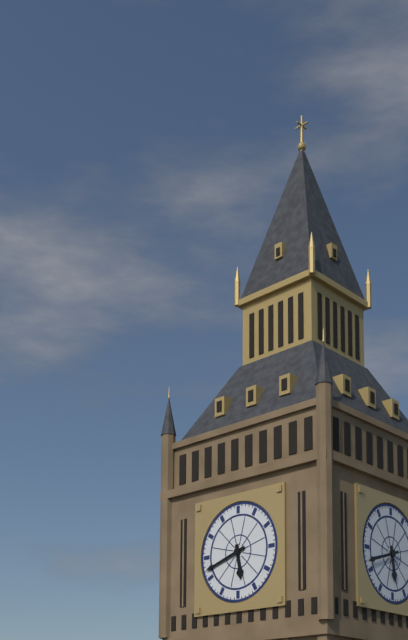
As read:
h=5 m=42
